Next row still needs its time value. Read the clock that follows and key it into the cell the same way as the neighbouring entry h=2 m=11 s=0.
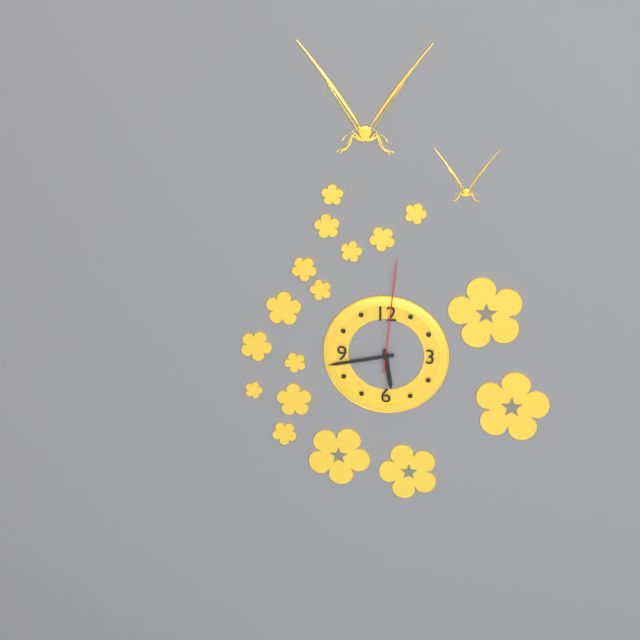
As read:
h=5 m=43 s=1
